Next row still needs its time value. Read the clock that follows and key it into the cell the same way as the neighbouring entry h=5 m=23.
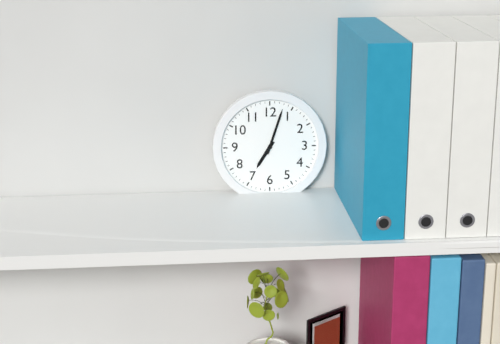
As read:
h=7 m=3
